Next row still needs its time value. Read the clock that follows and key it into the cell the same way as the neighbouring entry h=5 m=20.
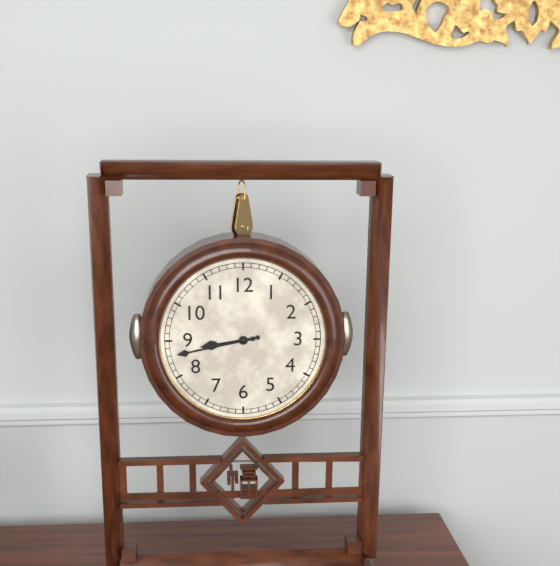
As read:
h=8 m=43
